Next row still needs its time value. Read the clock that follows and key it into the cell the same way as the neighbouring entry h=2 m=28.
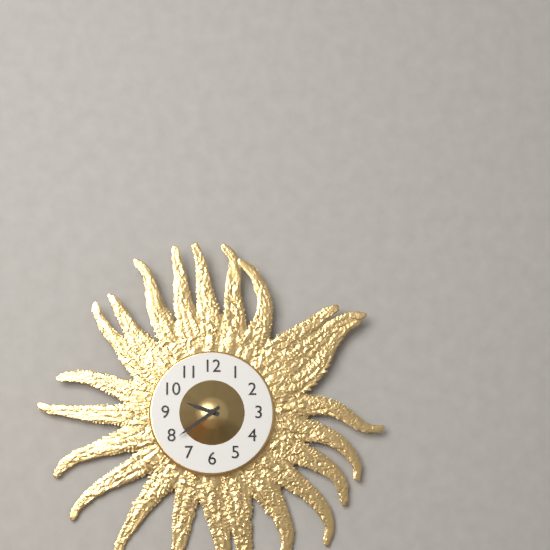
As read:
h=9 m=39
